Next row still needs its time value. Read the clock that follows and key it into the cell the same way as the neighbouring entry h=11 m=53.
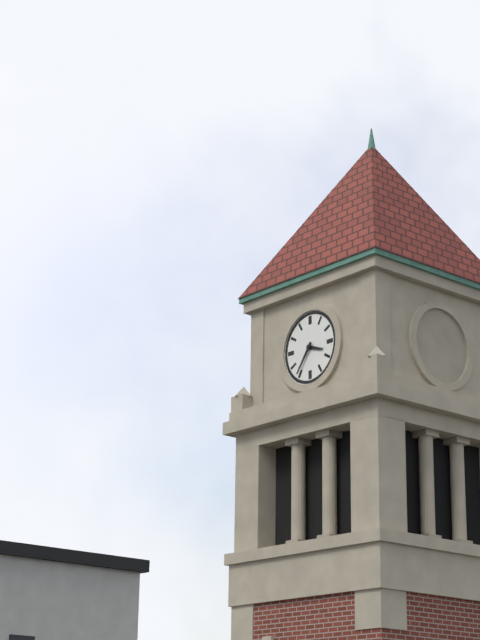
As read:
h=3 m=36
